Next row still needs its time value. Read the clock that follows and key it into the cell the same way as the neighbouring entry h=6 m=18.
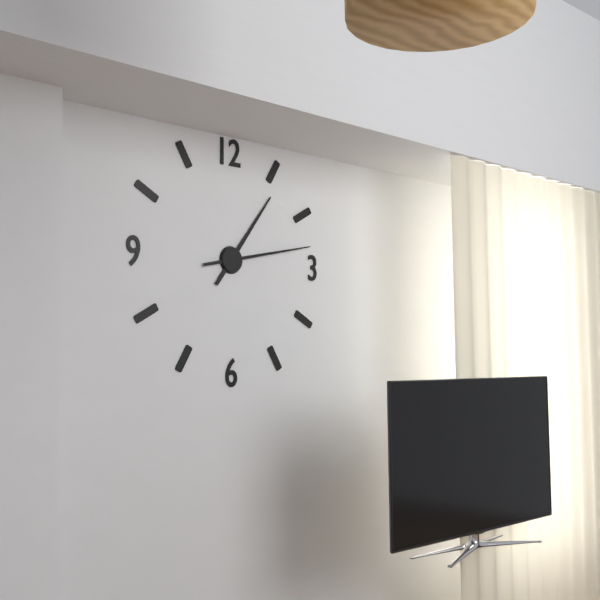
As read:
h=1 m=13
